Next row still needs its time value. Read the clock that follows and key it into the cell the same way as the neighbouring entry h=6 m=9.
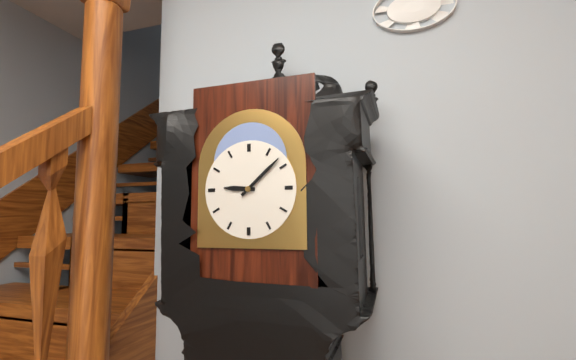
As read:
h=9 m=8
